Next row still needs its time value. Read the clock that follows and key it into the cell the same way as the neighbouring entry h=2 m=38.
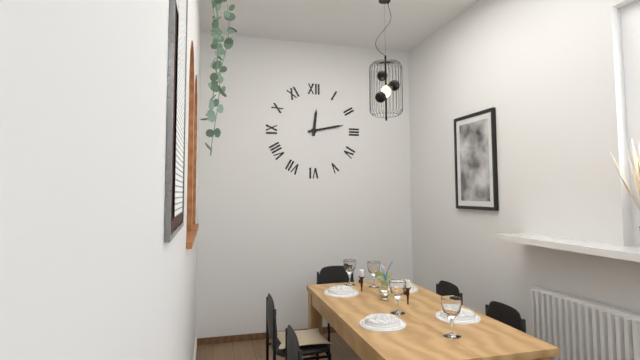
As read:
h=12 m=13
